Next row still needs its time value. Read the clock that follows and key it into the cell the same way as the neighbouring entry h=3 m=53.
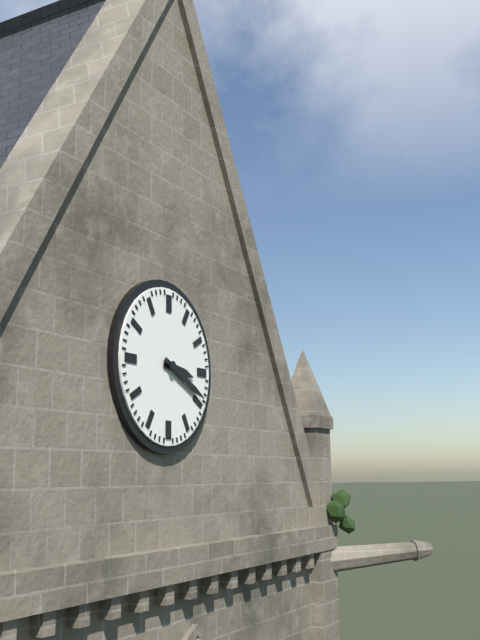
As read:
h=3 m=19
